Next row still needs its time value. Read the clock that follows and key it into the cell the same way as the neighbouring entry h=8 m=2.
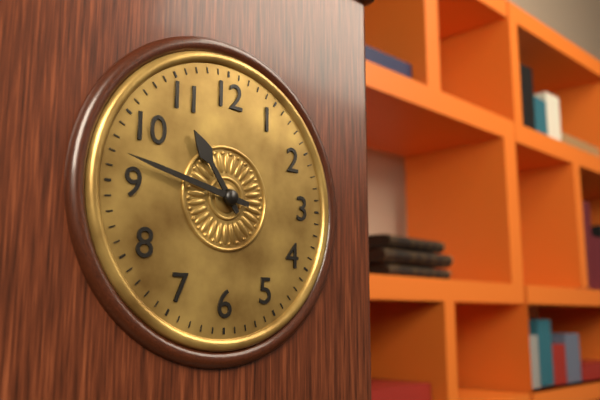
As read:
h=10 m=47
